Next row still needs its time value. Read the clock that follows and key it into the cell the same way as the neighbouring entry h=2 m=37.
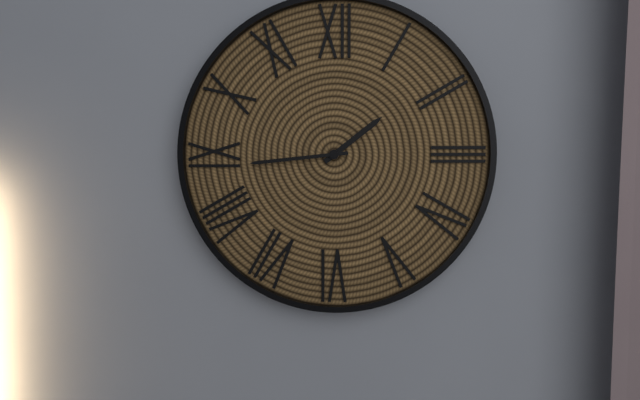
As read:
h=1 m=44
